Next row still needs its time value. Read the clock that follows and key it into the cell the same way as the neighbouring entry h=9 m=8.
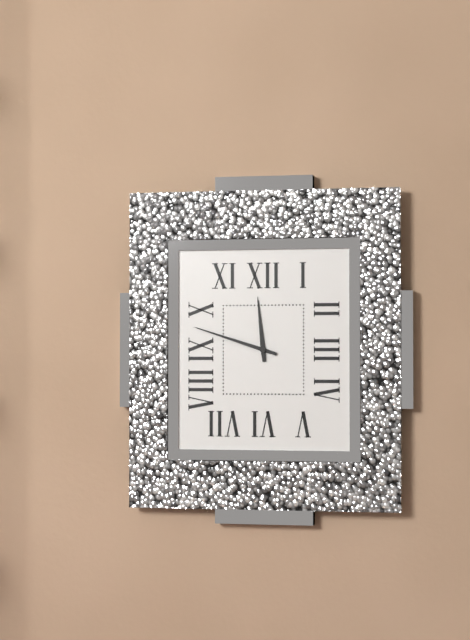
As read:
h=11 m=48
